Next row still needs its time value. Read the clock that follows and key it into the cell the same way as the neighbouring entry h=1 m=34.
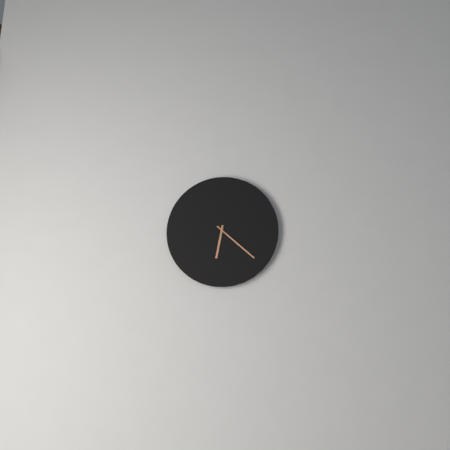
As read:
h=6 m=22
